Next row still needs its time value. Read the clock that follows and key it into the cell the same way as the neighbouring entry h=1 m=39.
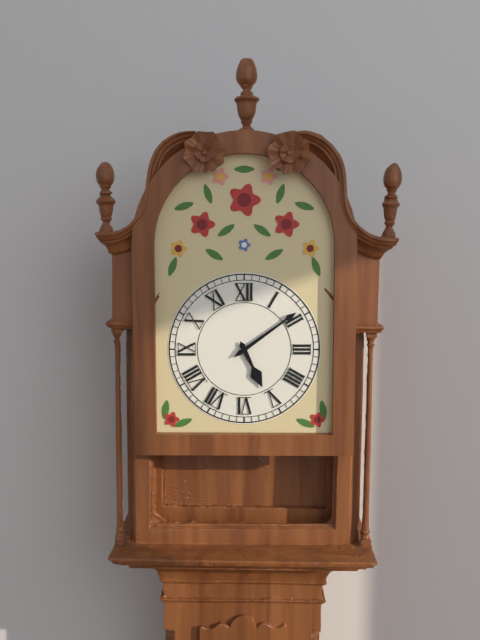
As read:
h=5 m=9
